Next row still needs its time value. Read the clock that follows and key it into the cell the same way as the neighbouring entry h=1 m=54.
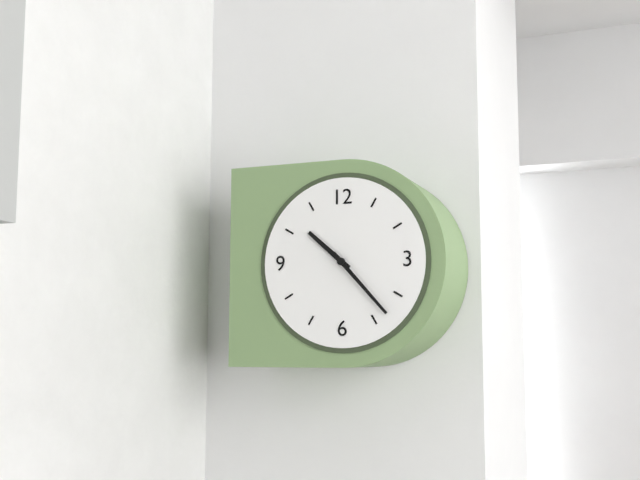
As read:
h=10 m=23
